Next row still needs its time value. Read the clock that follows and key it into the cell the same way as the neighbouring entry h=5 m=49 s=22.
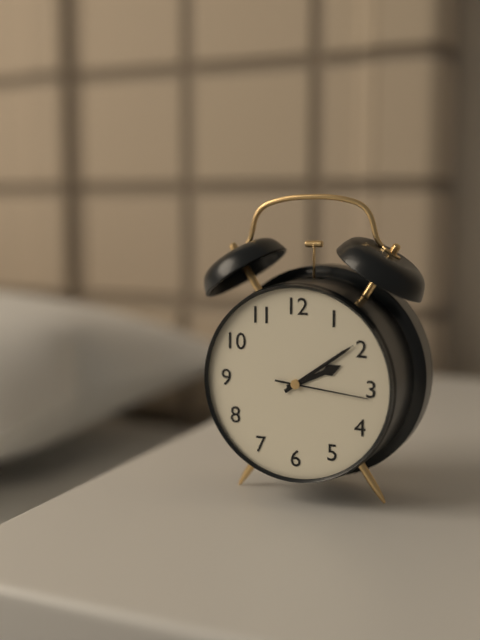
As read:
h=2 m=9 s=16
